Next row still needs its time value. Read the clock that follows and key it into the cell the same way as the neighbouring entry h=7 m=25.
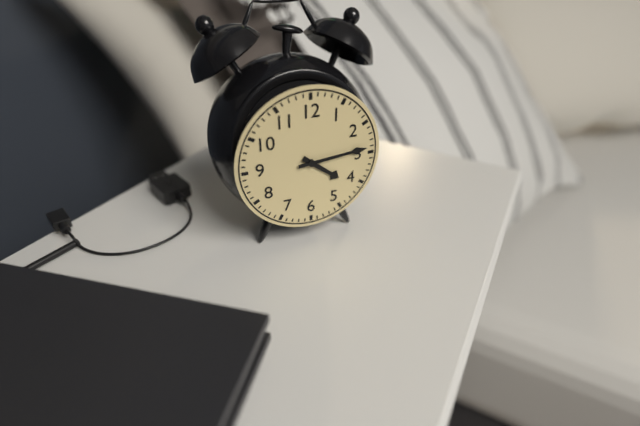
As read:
h=4 m=14
